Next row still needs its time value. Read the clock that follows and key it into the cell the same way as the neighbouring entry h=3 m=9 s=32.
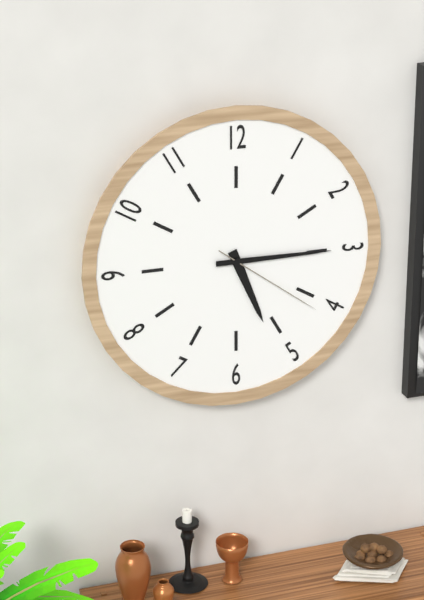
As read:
h=5 m=15 s=21
